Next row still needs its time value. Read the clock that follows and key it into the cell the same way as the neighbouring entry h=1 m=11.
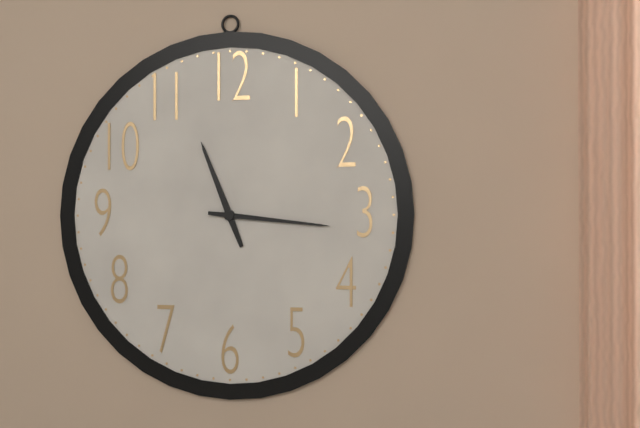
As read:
h=11 m=16
